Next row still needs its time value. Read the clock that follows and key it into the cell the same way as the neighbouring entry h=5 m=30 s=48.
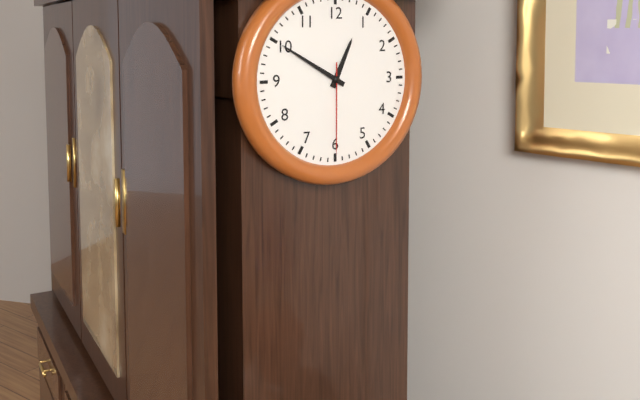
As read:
h=12 m=50 s=30
